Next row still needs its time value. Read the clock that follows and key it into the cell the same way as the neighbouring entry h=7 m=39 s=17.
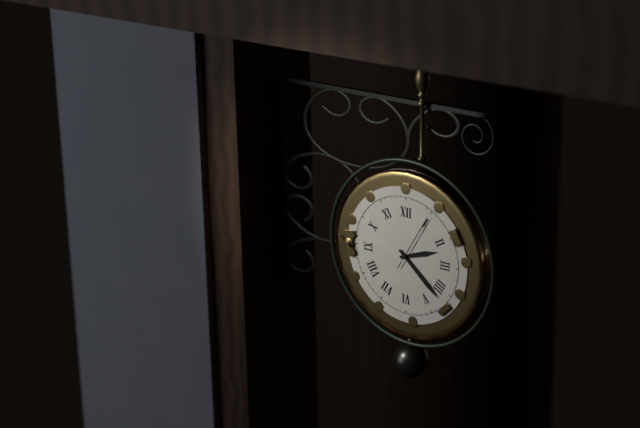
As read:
h=2 m=22 s=5
